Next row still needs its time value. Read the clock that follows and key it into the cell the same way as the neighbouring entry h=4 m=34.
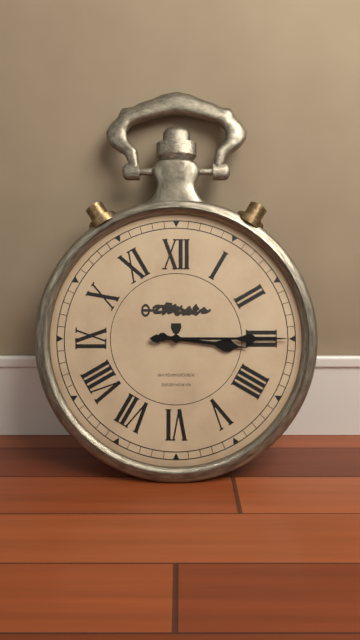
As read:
h=3 m=15
